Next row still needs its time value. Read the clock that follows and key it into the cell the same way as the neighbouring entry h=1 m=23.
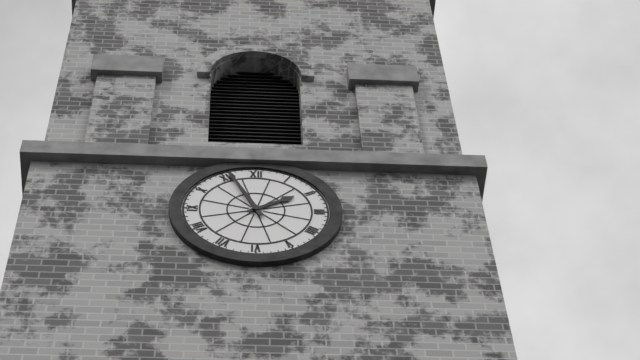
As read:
h=1 m=56
